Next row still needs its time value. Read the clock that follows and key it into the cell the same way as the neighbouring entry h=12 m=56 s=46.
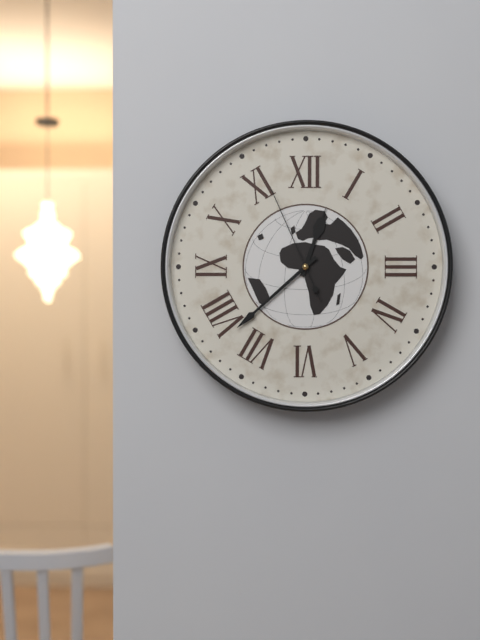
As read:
h=12 m=38 s=56
